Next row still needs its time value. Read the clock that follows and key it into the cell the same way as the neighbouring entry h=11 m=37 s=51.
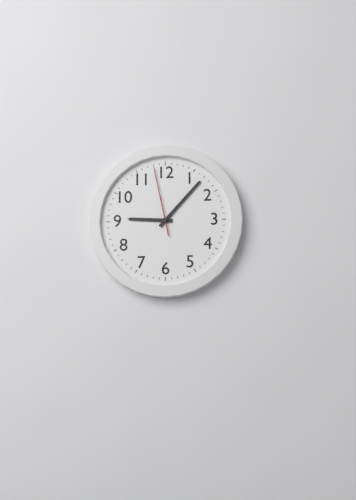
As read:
h=9 m=7 s=58
